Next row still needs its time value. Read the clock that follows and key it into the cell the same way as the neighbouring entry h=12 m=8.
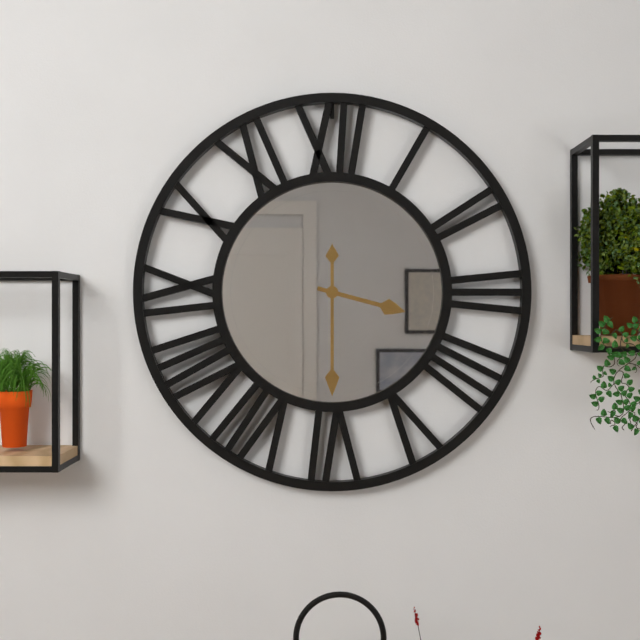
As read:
h=3 m=30
